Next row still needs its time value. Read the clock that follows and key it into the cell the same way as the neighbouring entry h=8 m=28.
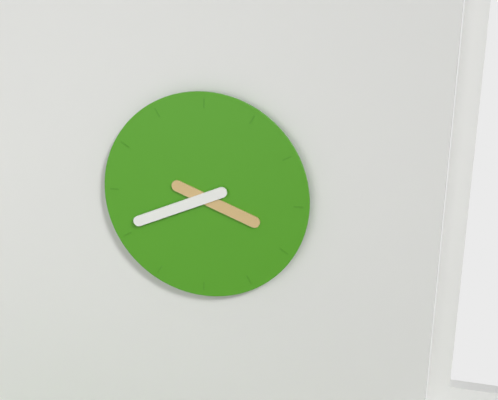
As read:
h=3 m=41
